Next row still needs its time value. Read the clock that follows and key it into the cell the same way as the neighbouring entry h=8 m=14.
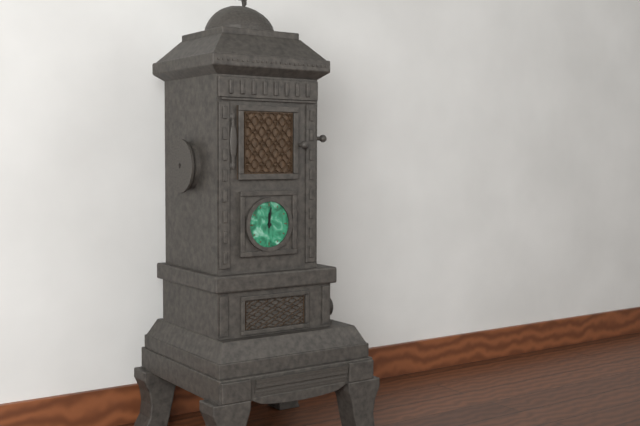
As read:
h=12 m=1
